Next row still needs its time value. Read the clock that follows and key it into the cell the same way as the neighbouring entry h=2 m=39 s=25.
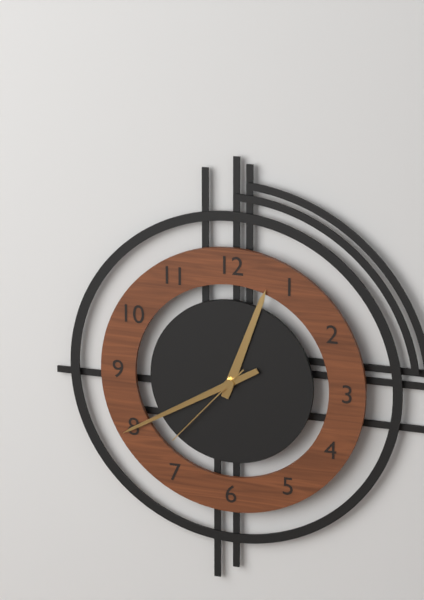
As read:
h=12 m=40 s=37
